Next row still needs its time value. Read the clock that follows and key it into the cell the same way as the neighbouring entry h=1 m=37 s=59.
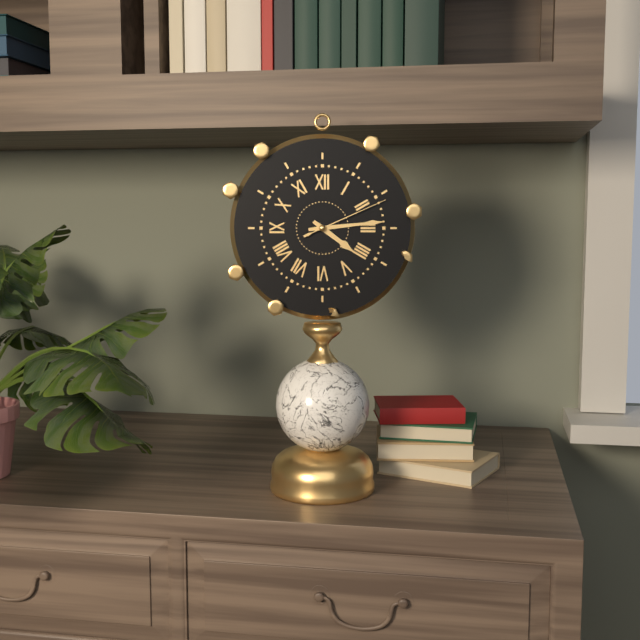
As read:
h=4 m=14 s=11
